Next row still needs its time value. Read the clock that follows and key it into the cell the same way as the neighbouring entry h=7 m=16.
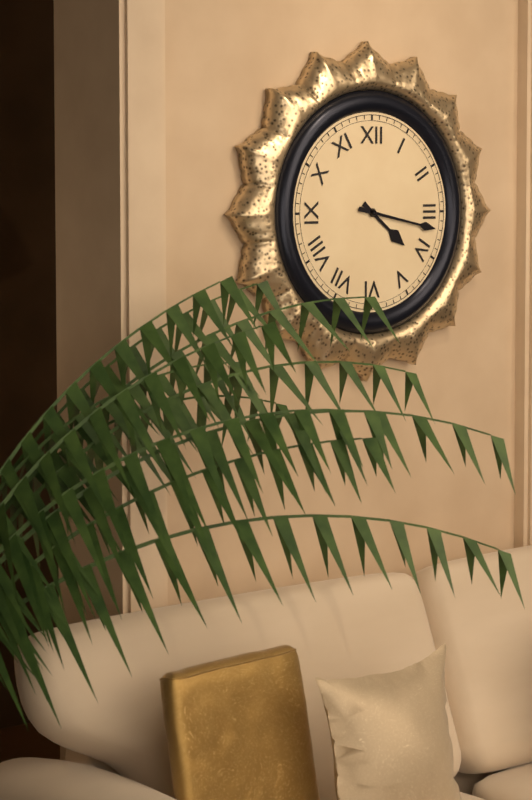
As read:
h=4 m=17
